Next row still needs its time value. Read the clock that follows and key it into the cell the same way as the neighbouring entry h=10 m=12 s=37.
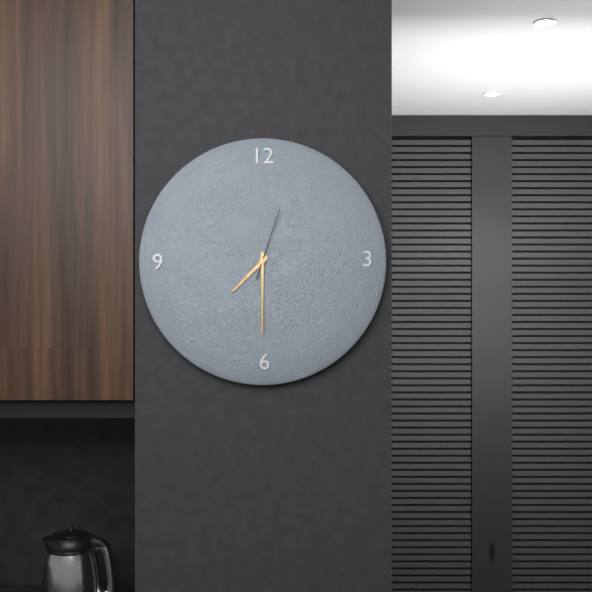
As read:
h=7 m=30 s=3
